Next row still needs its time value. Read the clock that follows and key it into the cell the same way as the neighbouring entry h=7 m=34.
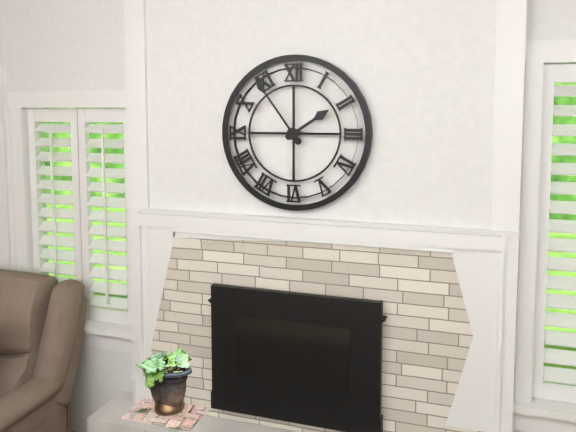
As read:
h=1 m=54
